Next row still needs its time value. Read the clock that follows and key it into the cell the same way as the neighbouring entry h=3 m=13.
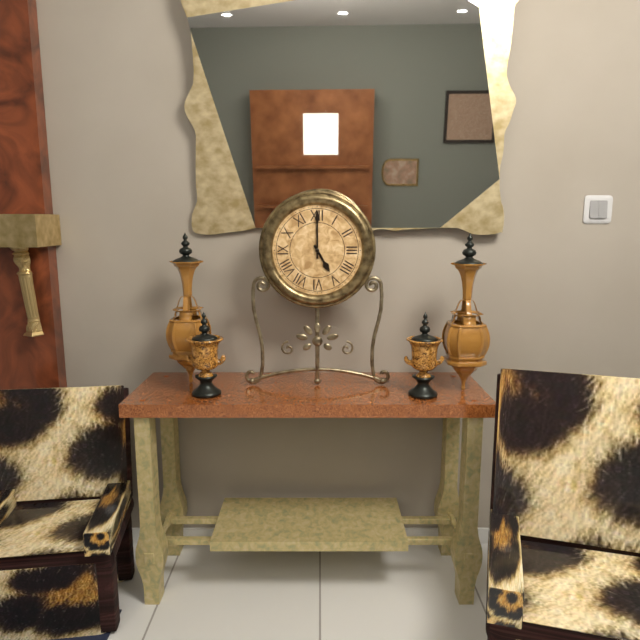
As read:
h=5 m=0
